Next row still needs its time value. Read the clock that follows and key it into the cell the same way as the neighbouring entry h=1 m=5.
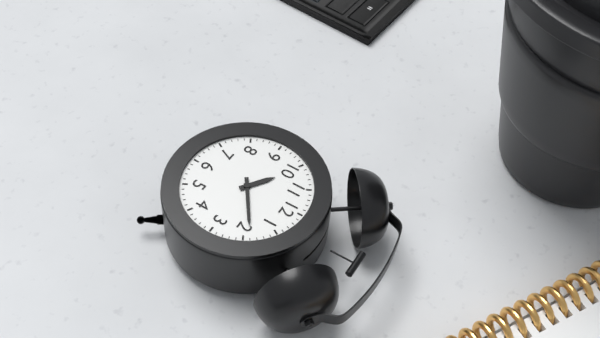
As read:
h=10 m=9
